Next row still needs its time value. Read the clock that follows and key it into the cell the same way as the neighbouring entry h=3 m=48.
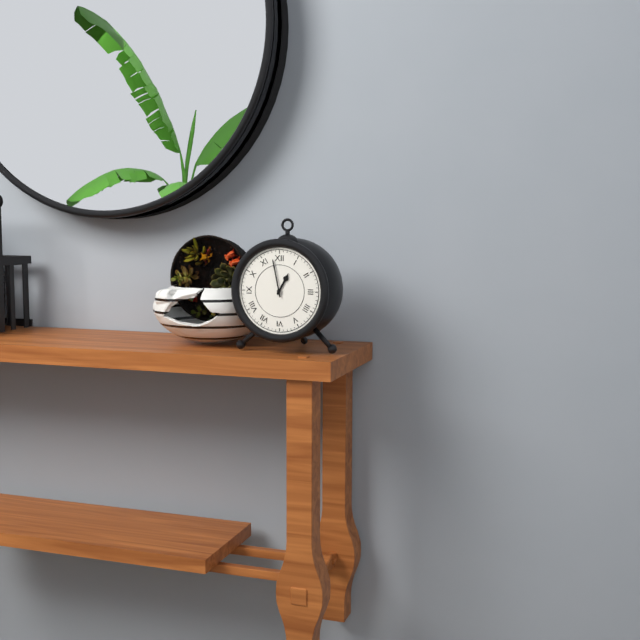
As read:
h=12 m=58
